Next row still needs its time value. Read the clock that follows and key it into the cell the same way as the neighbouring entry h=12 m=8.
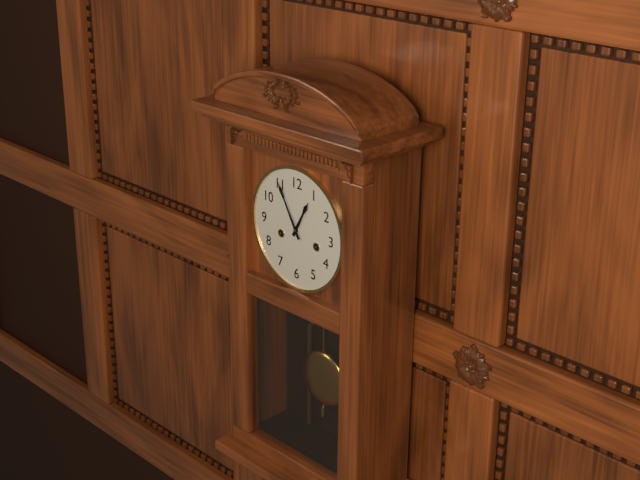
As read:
h=12 m=55
